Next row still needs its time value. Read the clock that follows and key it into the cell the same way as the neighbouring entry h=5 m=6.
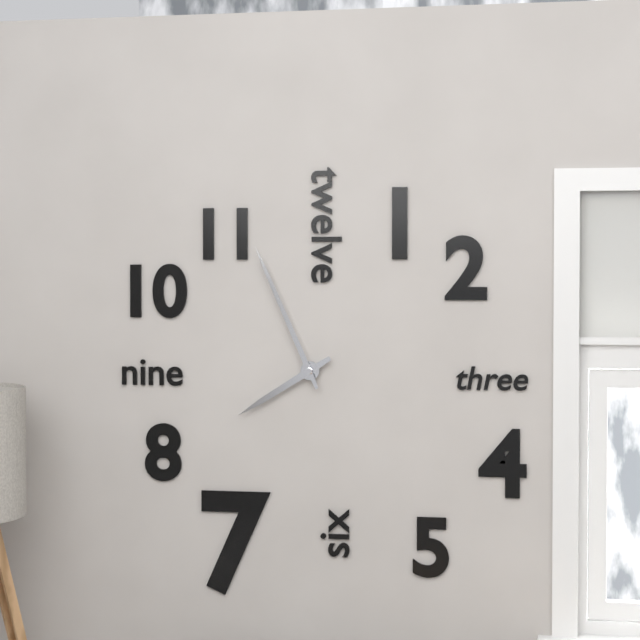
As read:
h=7 m=56
